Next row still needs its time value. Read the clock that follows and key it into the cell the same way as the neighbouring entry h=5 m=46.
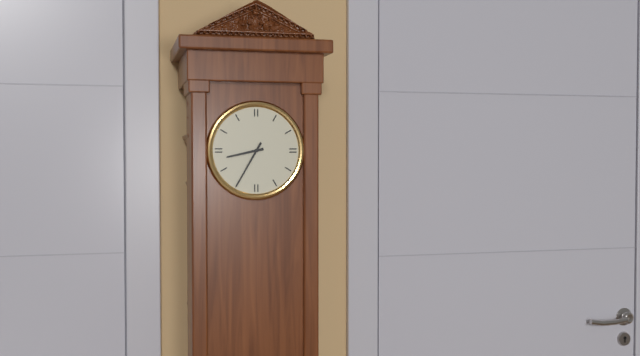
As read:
h=8 m=35
